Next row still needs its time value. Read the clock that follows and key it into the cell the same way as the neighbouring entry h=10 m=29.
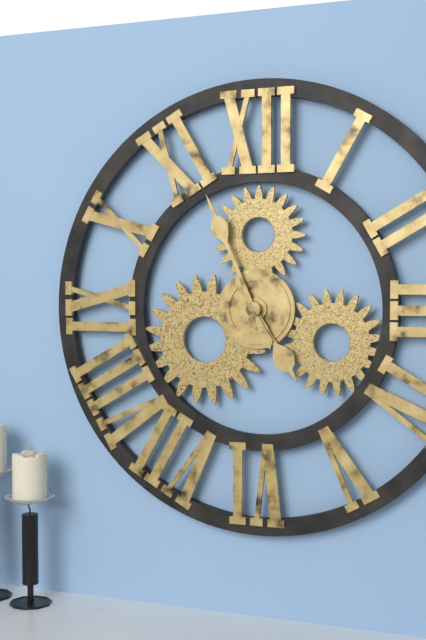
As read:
h=4 m=56
